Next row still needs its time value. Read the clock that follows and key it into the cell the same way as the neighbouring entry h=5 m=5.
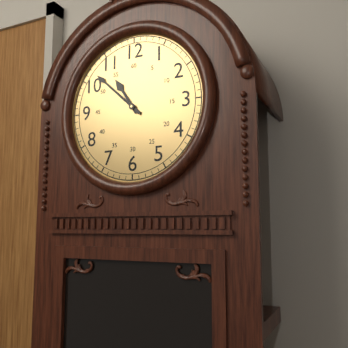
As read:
h=10 m=52
